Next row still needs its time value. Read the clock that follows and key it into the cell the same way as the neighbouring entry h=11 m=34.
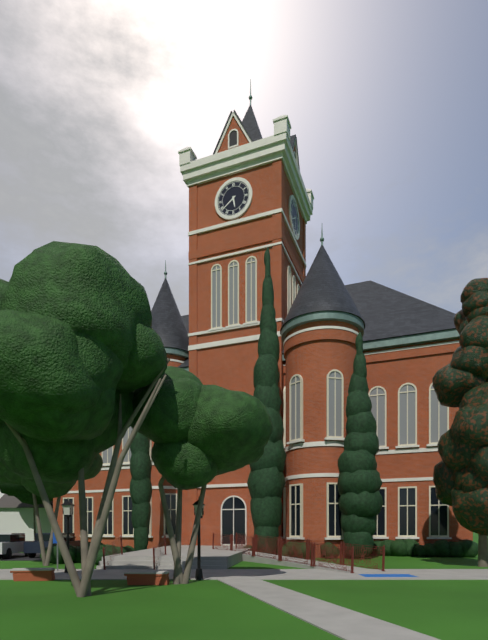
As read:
h=5 m=39
